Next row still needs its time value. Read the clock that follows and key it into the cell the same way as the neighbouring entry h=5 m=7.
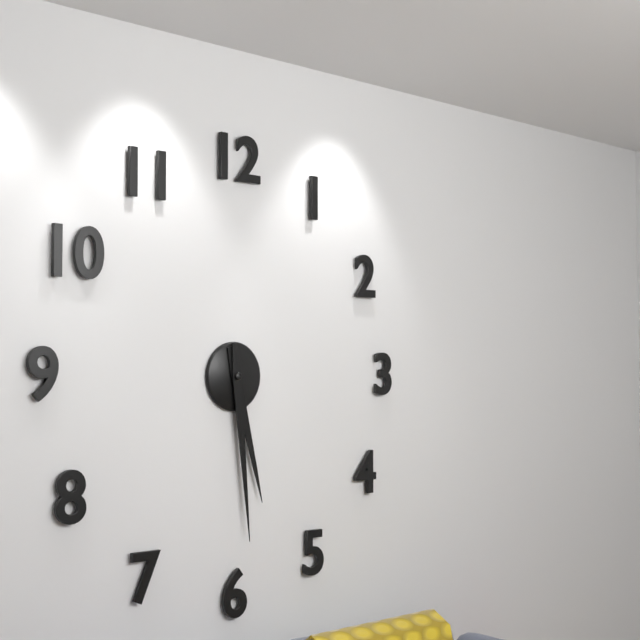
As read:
h=5 m=29
